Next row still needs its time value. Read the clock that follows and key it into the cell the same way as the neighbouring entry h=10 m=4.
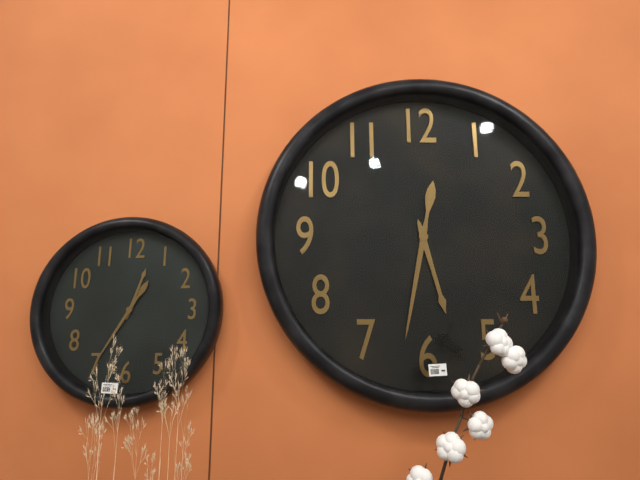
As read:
h=5 m=32
